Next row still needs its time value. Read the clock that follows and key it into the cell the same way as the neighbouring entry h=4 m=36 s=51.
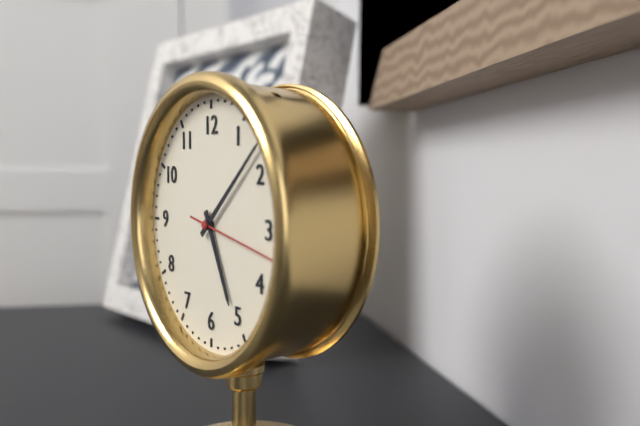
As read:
h=5 m=8 s=17
